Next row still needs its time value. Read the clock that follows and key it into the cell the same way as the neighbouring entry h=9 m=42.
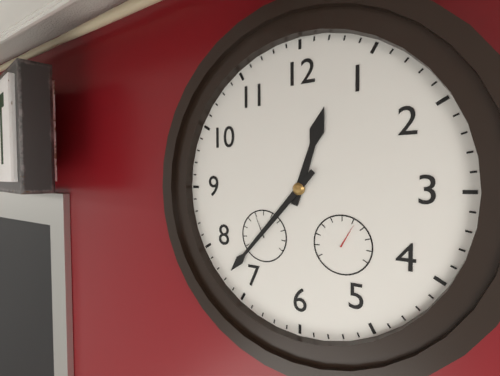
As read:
h=12 m=37
